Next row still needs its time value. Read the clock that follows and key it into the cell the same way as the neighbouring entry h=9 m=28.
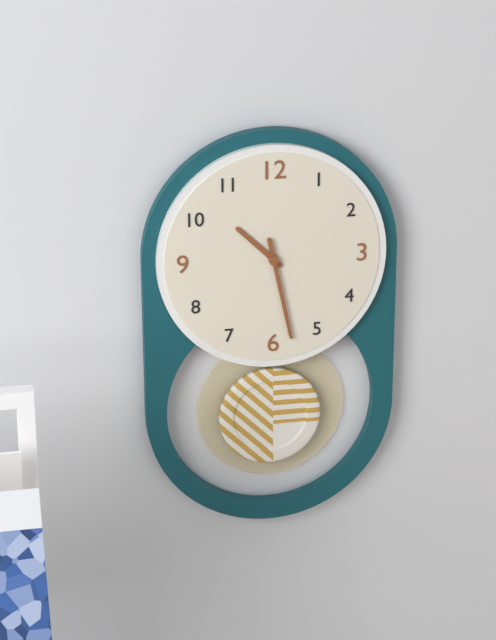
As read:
h=10 m=28
